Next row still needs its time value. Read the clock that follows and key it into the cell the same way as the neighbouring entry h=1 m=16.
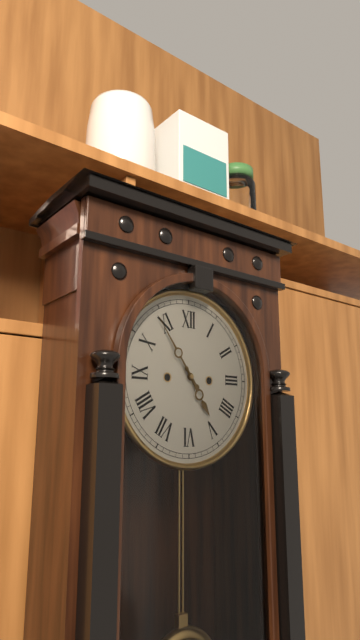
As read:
h=4 m=54
